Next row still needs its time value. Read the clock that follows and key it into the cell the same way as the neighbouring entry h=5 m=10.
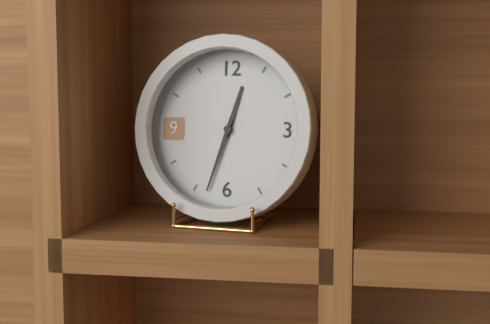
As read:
h=12 m=33
